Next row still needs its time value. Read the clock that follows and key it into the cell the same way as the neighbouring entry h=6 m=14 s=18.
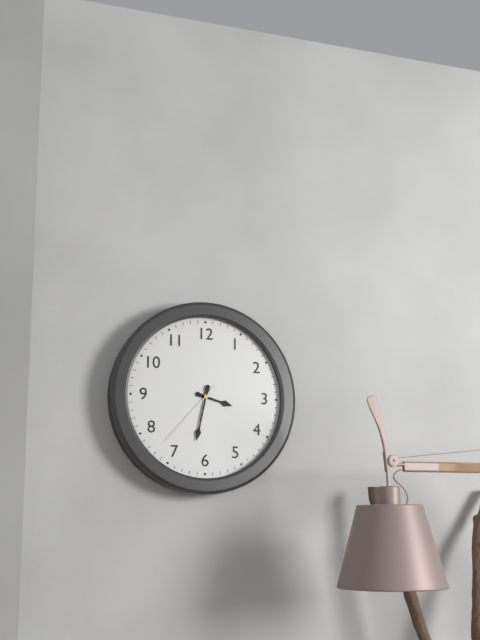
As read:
h=3 m=32 s=37
